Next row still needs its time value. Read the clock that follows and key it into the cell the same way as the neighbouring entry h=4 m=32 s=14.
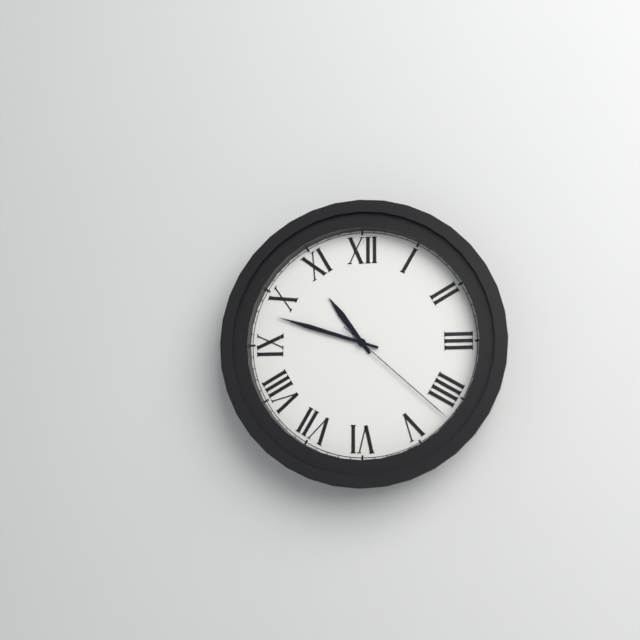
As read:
h=10 m=48 s=22
